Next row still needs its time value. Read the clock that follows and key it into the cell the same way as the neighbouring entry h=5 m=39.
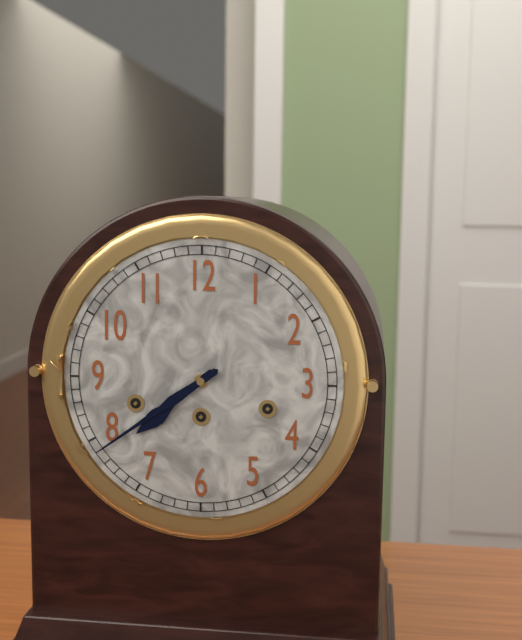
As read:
h=7 m=39
